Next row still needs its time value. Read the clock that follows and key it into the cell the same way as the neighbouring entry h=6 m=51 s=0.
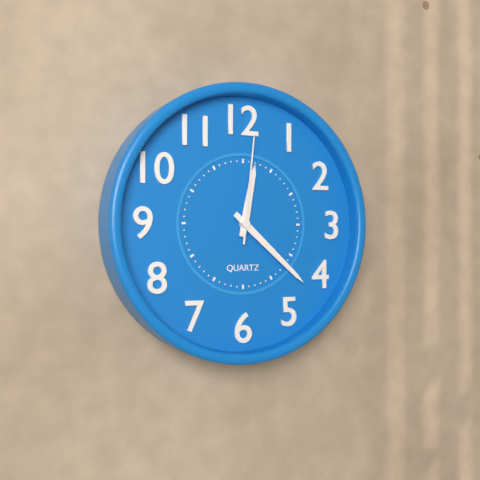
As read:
h=12 m=22 s=1
